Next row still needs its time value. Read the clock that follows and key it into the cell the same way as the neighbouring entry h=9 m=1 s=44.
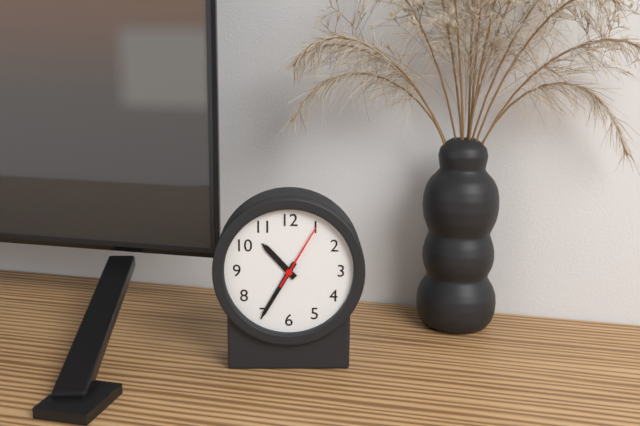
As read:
h=10 m=35 s=5
